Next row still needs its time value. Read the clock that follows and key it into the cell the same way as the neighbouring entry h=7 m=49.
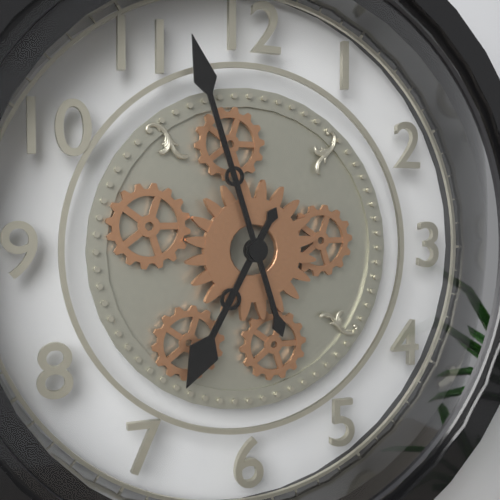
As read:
h=6 m=57
